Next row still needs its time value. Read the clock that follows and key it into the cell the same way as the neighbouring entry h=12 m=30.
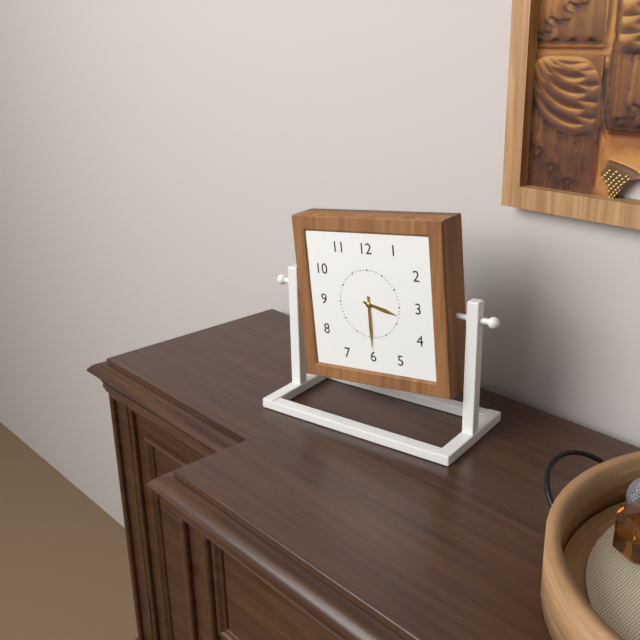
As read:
h=3 m=30
